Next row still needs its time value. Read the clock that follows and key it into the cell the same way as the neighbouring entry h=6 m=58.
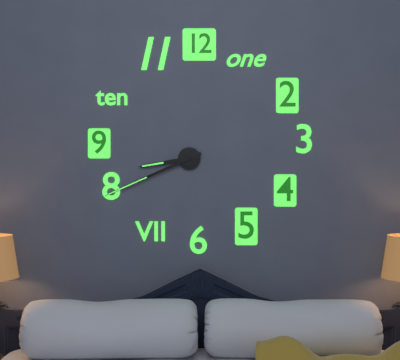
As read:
h=8 m=41
